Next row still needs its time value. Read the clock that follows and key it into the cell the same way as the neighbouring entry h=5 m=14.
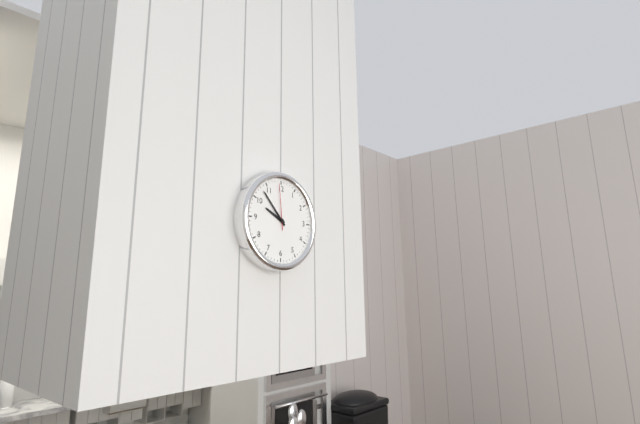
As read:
h=9 m=53
